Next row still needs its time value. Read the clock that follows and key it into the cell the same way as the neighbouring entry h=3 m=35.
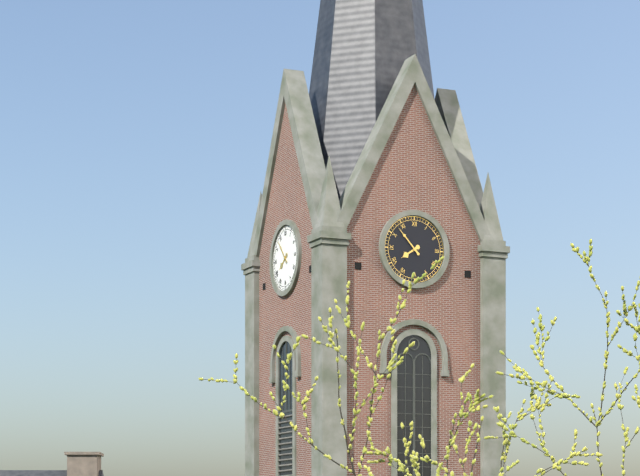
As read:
h=7 m=53
